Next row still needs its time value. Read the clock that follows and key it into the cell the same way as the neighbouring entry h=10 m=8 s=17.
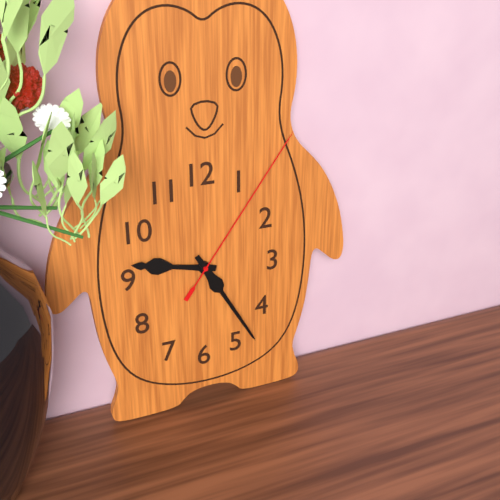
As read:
h=9 m=25 s=6
